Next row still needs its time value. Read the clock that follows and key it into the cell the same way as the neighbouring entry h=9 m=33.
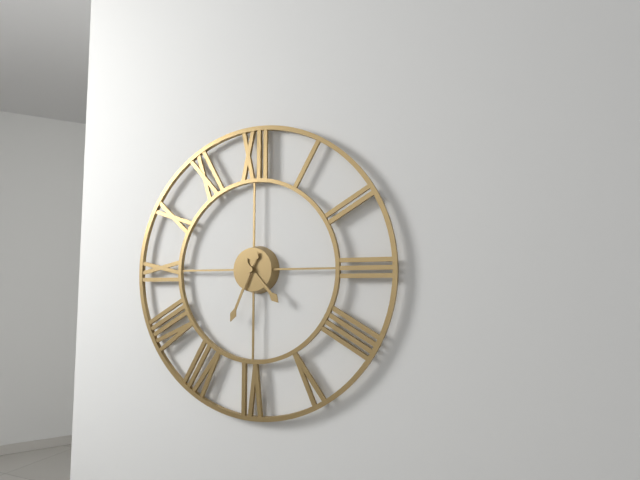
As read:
h=4 m=34
